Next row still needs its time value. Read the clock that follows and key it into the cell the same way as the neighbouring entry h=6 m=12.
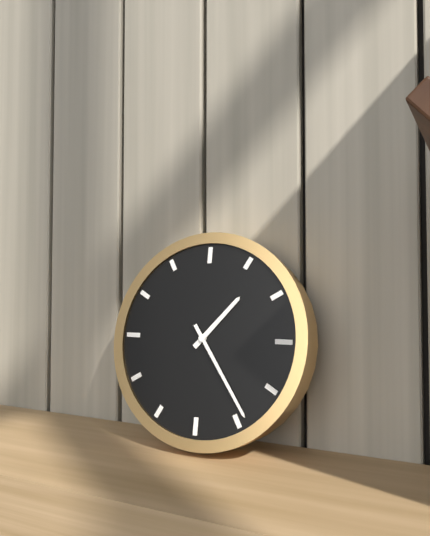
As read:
h=1 m=24
